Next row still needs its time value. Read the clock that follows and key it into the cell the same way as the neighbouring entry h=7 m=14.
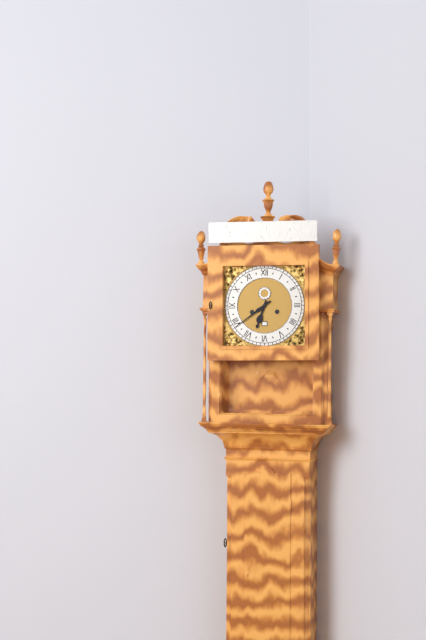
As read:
h=6 m=39
